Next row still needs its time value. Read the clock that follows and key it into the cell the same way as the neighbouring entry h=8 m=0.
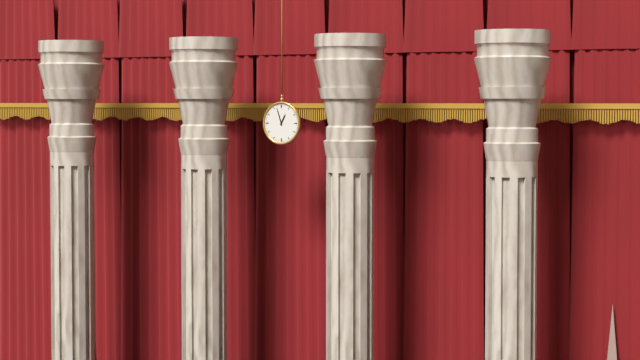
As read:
h=12 m=57
